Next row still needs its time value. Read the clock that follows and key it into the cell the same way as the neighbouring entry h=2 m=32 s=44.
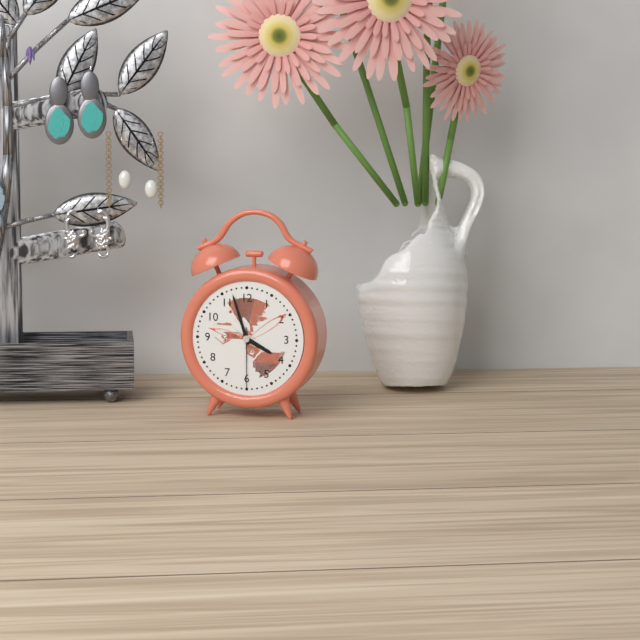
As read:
h=3 m=57 s=30
